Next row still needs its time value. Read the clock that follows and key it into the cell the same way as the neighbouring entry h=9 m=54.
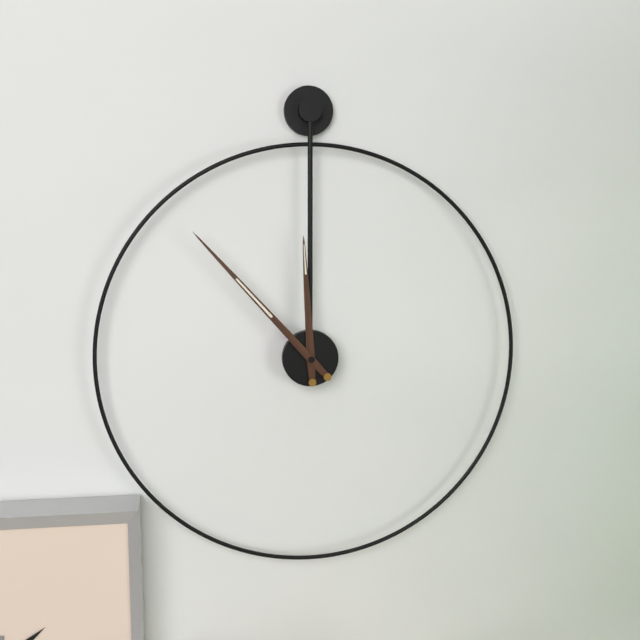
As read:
h=11 m=53
